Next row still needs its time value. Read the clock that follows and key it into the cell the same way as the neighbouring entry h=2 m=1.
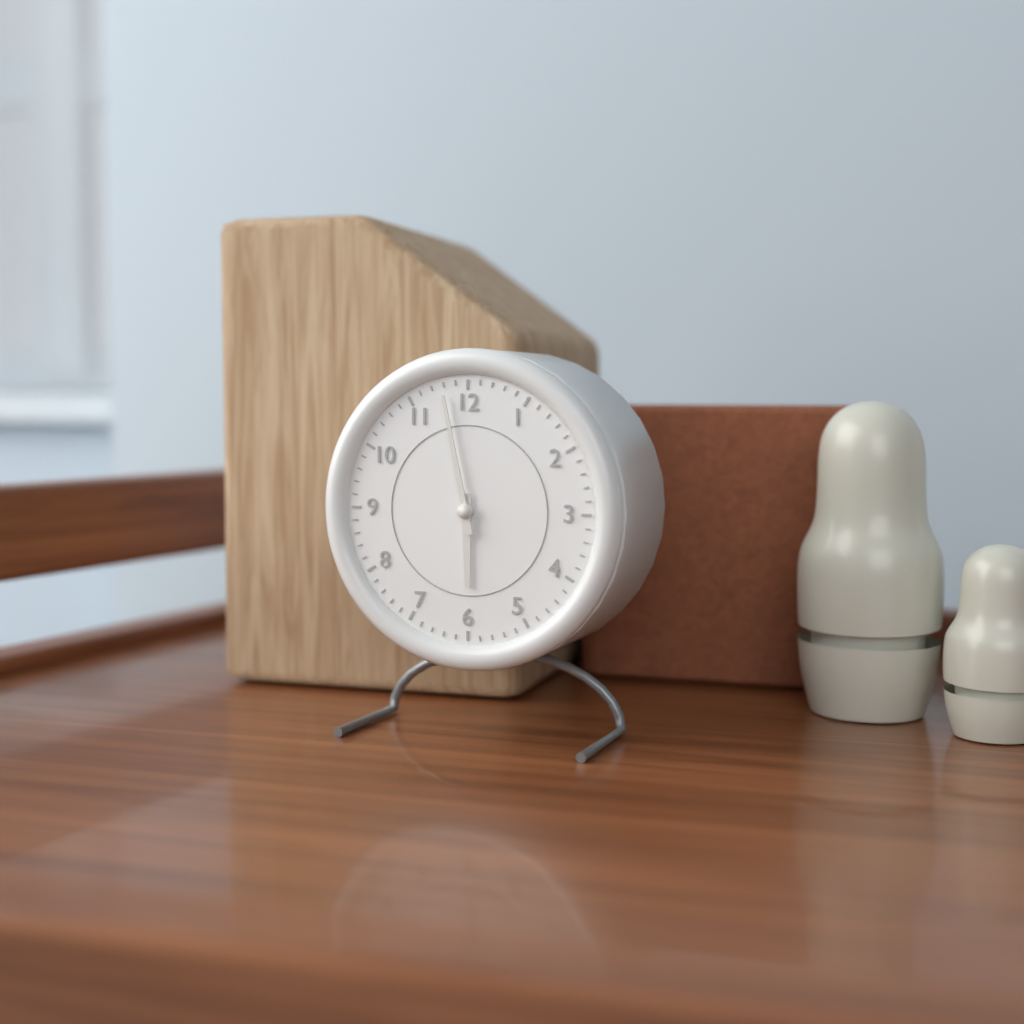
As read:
h=5 m=58
